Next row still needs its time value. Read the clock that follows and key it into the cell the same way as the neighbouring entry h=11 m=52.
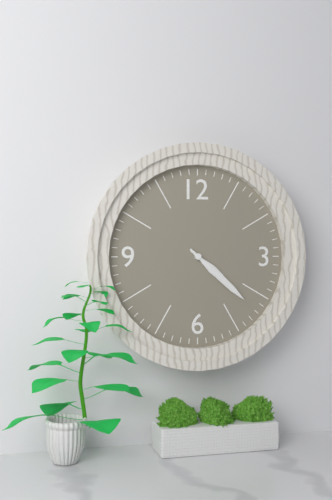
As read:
h=4 m=22
